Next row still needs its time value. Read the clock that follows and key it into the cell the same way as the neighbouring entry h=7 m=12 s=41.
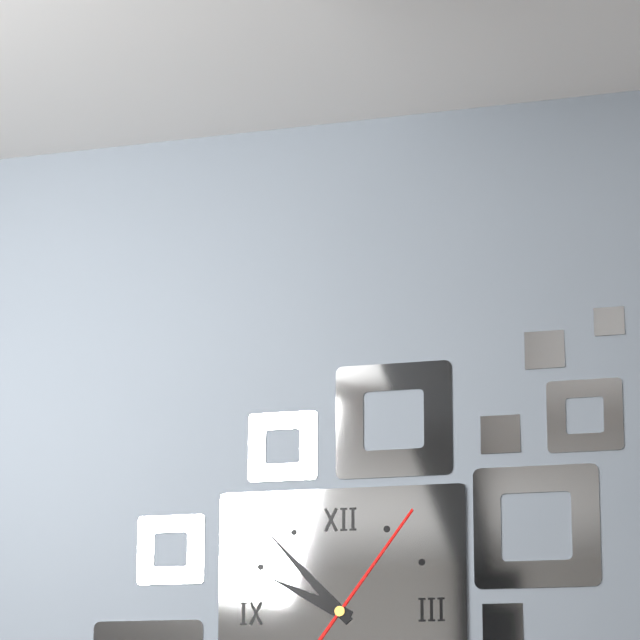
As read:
h=9 m=53 s=6
